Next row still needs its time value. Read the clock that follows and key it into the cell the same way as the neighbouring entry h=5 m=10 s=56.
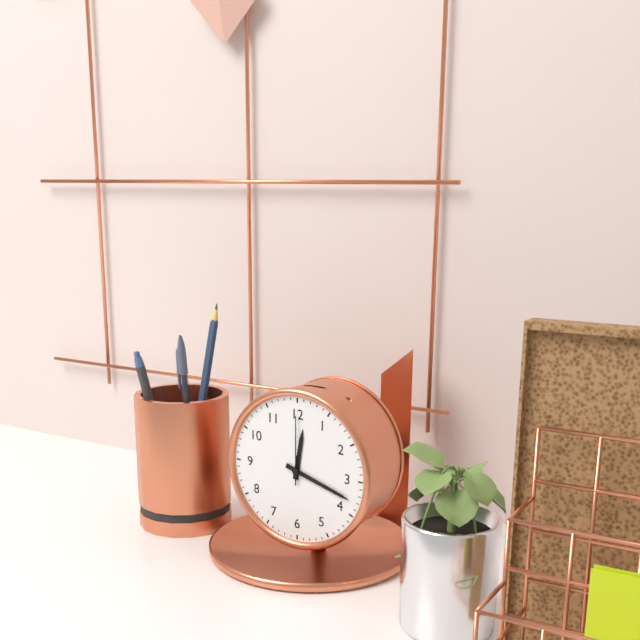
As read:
h=12 m=18 s=0
